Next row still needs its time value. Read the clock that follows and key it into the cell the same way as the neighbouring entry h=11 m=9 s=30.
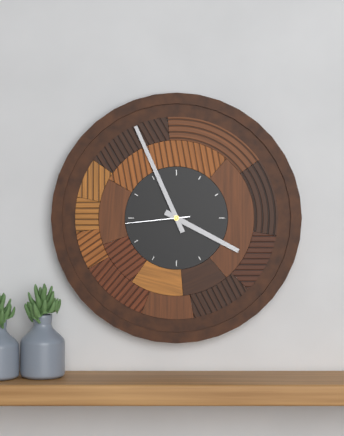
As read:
h=3 m=56 s=44
